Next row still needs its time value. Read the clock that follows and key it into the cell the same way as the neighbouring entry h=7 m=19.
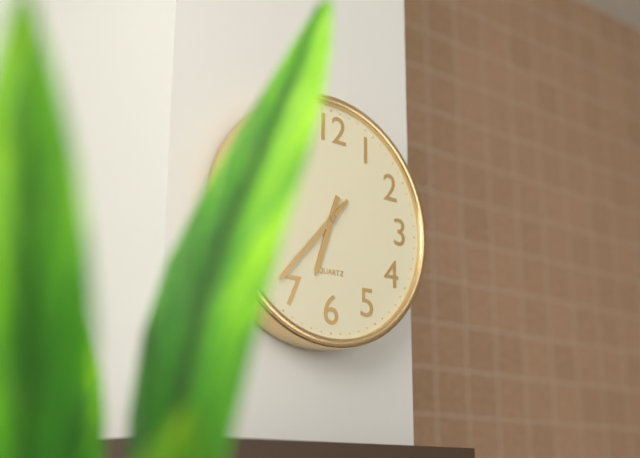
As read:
h=6 m=37
